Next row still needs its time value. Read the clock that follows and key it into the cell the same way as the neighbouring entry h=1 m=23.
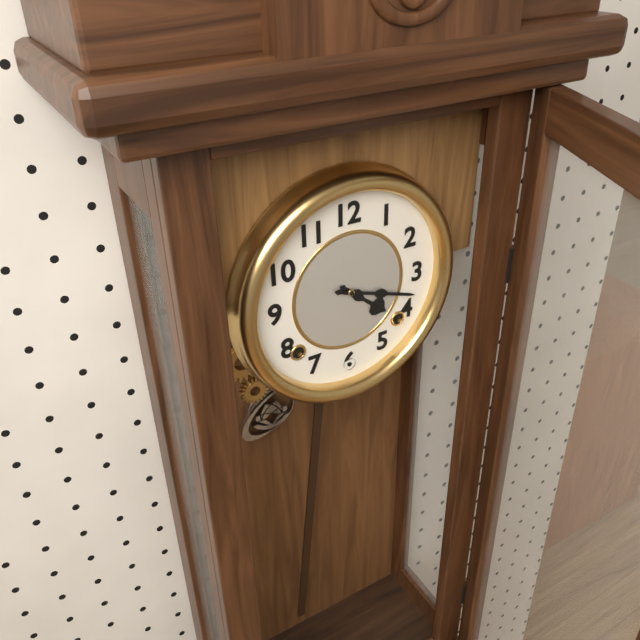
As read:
h=4 m=18
